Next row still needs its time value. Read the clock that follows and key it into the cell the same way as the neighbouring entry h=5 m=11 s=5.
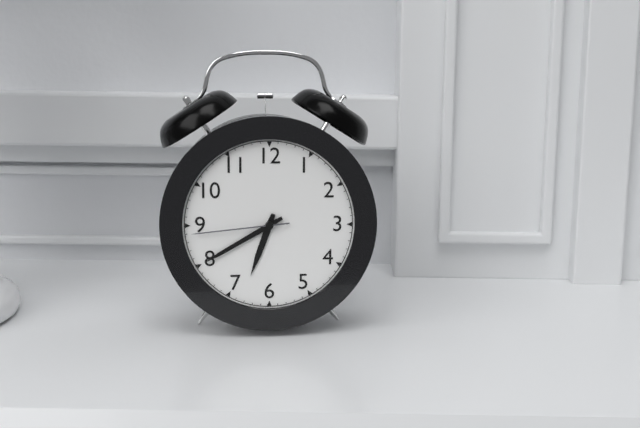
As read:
h=6 m=40 s=44
